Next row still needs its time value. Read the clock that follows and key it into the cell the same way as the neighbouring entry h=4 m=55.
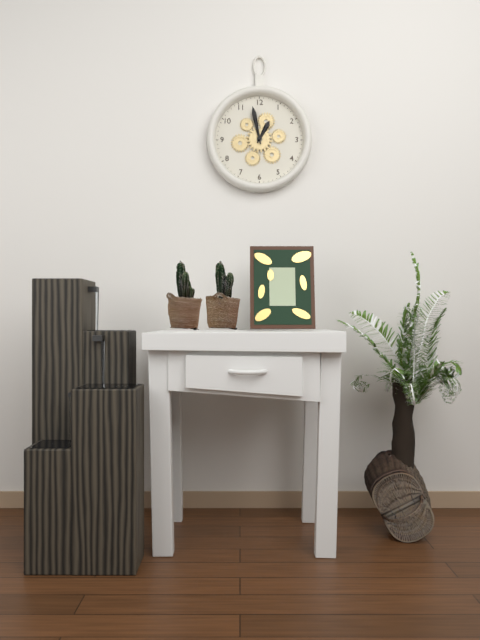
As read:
h=12 m=58
